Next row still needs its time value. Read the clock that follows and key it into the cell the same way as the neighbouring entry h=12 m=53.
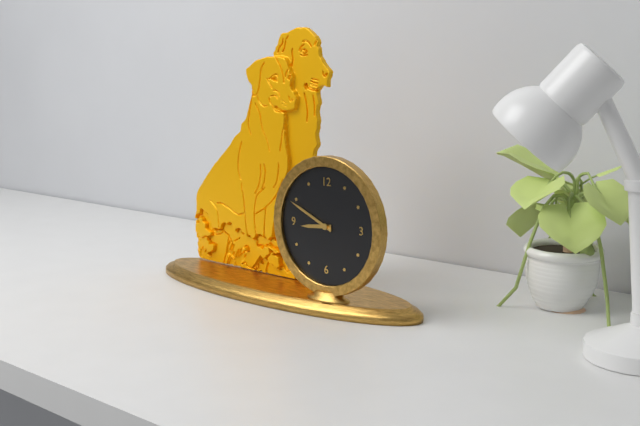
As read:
h=8 m=49
